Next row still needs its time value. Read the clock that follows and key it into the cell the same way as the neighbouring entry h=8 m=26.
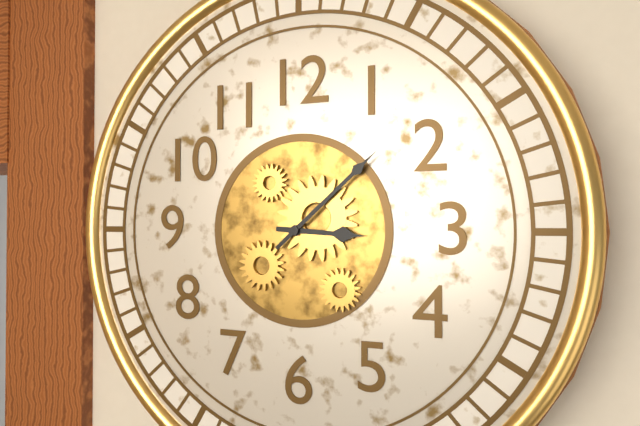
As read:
h=3 m=8
